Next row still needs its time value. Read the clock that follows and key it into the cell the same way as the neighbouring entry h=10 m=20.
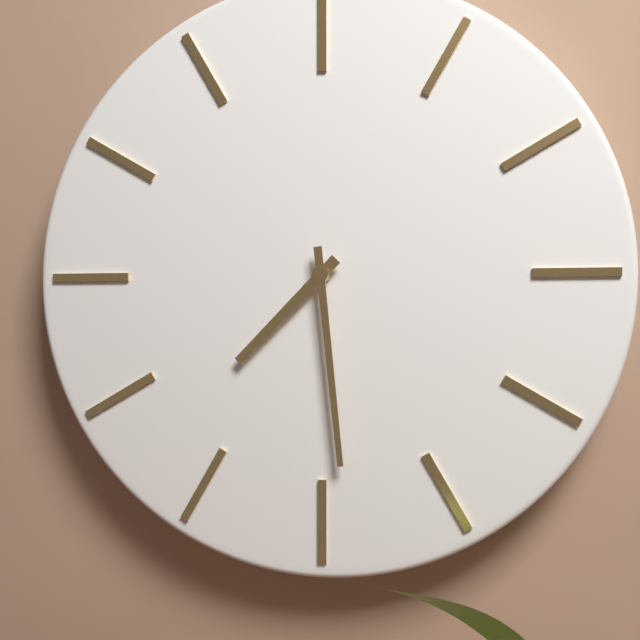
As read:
h=7 m=29
